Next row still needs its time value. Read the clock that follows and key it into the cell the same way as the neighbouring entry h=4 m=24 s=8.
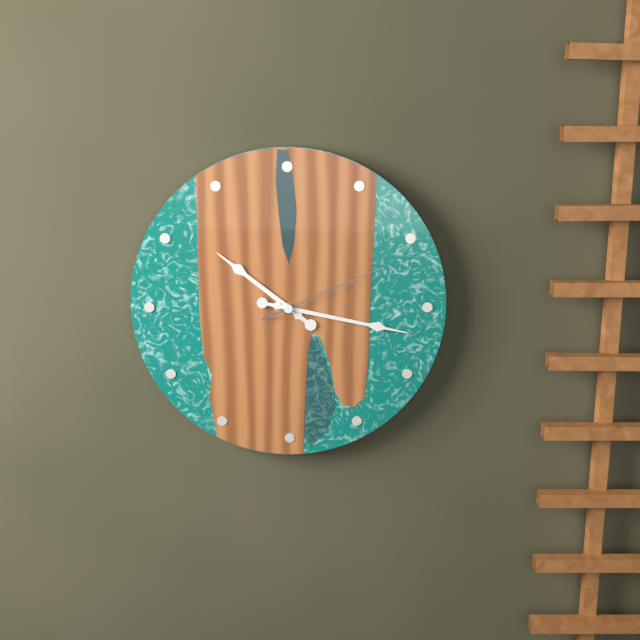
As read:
h=10 m=17 s=11
